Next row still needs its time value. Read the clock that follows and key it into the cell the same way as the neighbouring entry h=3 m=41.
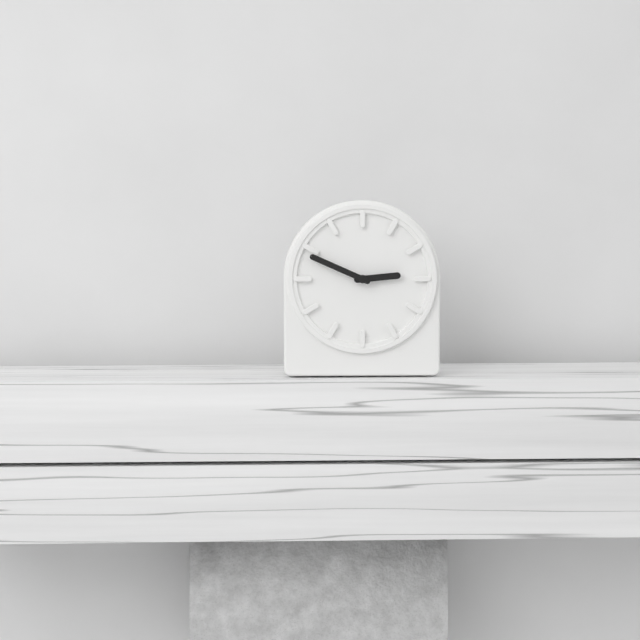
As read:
h=2 m=49
